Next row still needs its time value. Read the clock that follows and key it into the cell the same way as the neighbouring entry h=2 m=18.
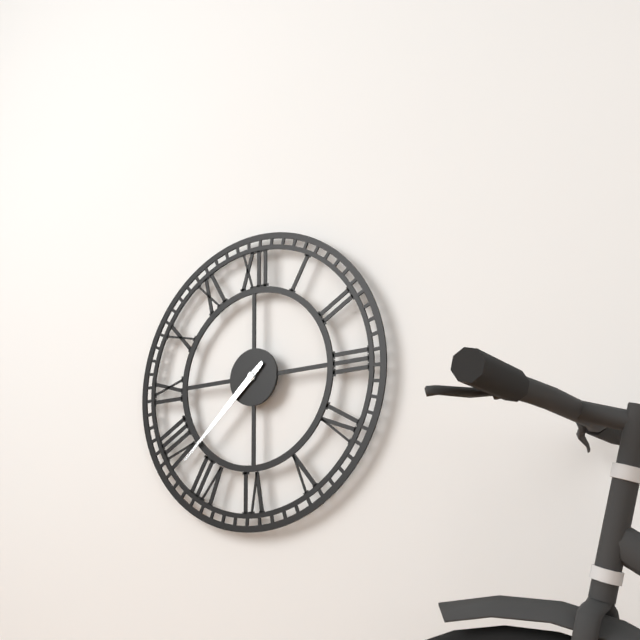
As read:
h=7 m=38
